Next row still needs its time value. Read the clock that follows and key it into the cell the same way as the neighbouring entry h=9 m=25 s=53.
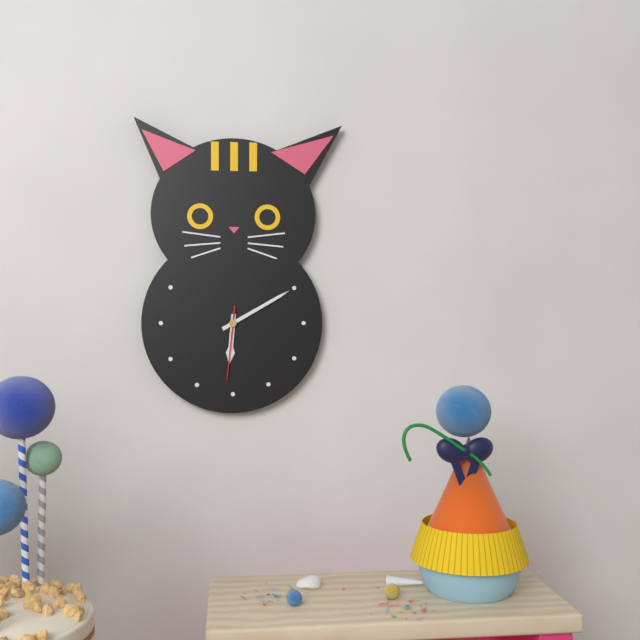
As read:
h=6 m=10 s=31
